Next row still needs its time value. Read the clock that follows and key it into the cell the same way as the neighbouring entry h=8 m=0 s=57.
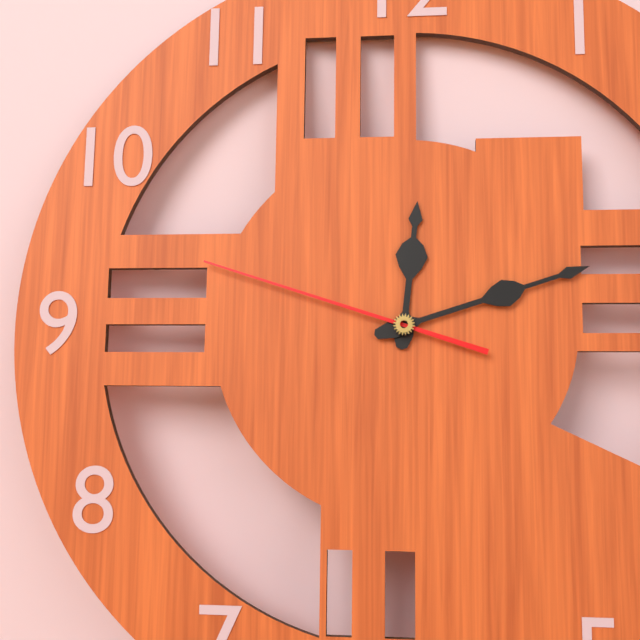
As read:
h=12 m=12 s=48
